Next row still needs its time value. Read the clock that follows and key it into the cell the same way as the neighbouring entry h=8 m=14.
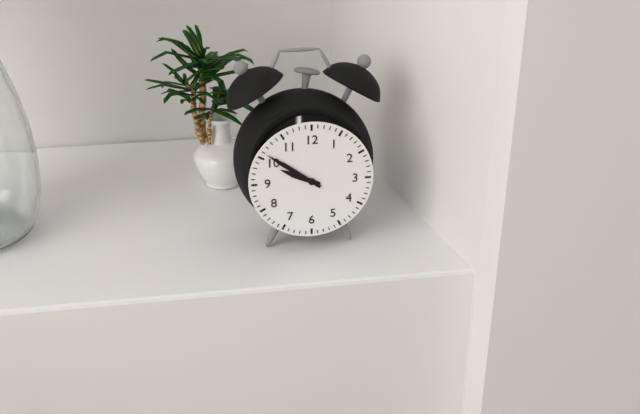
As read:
h=9 m=51
